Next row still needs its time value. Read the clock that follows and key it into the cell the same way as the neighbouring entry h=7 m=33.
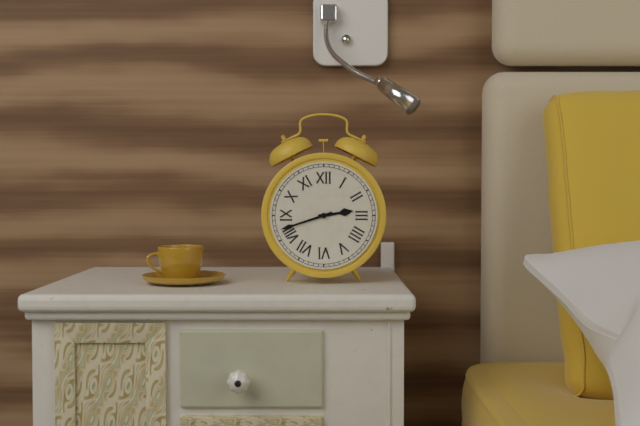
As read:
h=2 m=42
